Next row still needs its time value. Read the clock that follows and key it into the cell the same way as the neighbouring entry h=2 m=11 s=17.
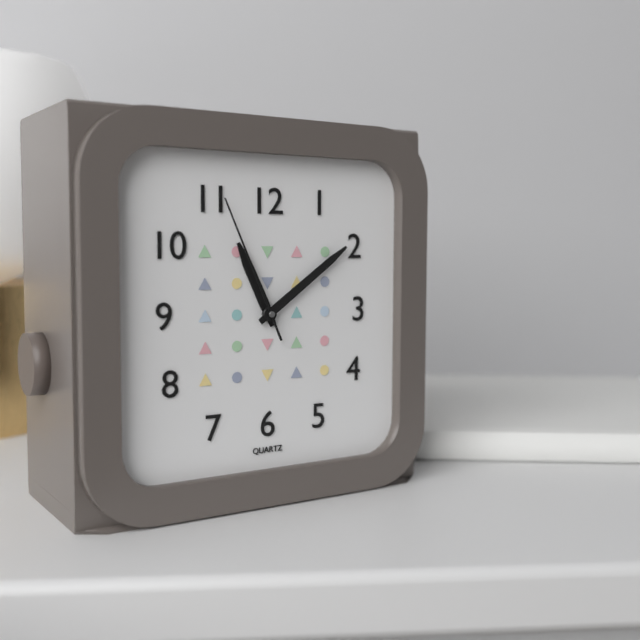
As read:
h=11 m=9 s=56
